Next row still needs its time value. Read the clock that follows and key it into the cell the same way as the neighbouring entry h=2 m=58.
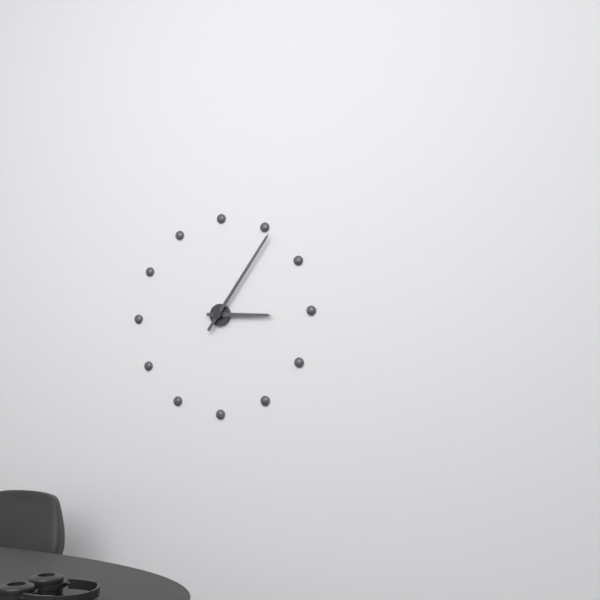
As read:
h=3 m=6
